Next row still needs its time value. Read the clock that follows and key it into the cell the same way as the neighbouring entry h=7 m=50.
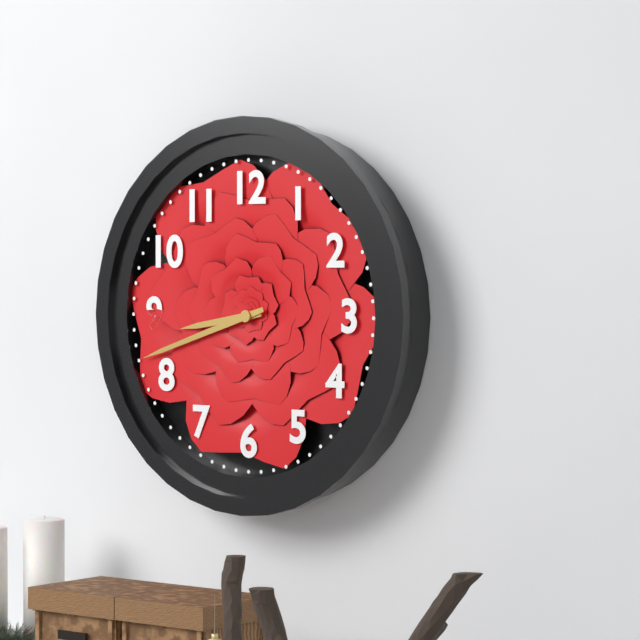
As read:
h=8 m=42
